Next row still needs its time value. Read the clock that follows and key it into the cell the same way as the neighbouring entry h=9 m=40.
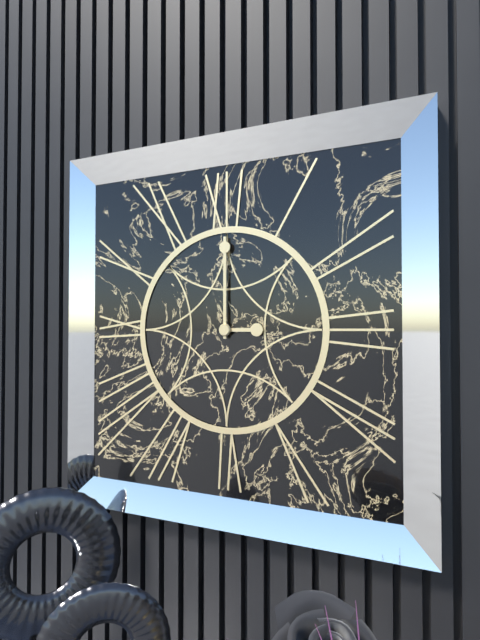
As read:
h=3 m=0
